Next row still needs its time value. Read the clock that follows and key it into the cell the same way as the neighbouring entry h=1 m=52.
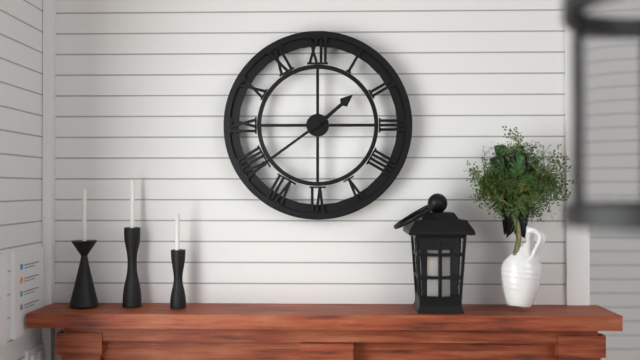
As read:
h=1 m=39
